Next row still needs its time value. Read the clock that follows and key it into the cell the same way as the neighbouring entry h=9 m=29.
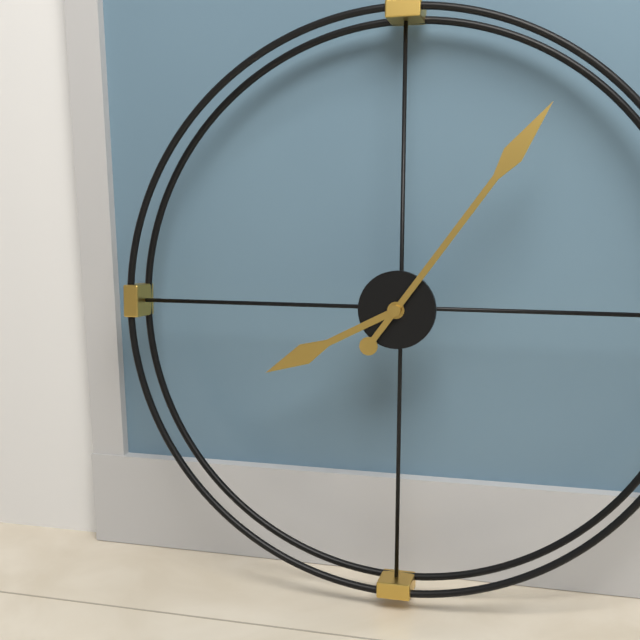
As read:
h=8 m=6
